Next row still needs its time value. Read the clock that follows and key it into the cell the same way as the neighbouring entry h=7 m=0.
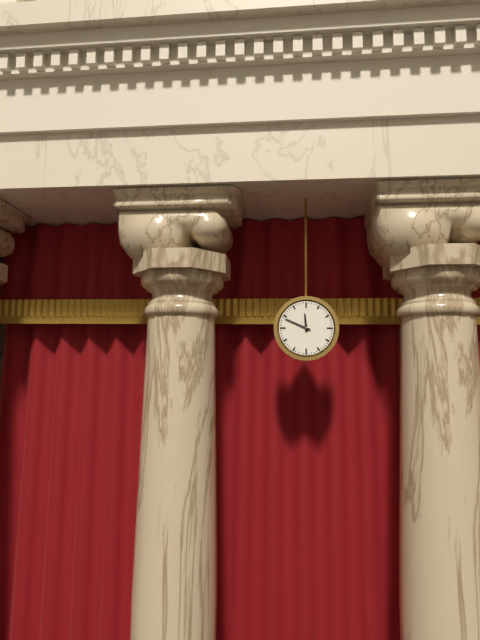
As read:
h=11 m=49
